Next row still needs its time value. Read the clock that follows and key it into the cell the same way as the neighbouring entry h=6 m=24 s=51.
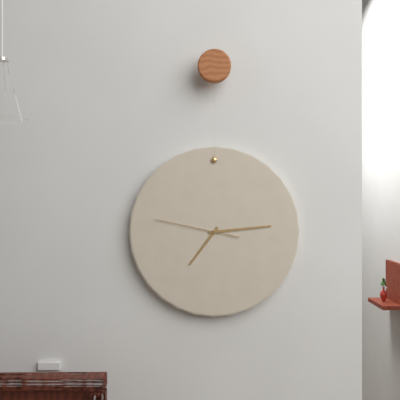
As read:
h=7 m=14 s=47
